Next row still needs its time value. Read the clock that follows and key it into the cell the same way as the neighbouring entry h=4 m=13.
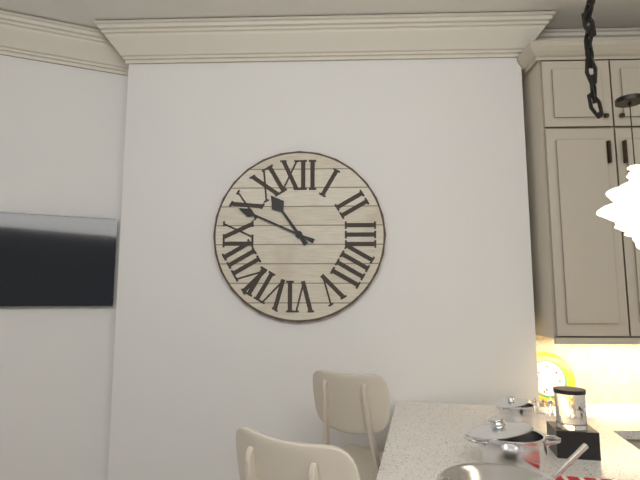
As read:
h=10 m=49
